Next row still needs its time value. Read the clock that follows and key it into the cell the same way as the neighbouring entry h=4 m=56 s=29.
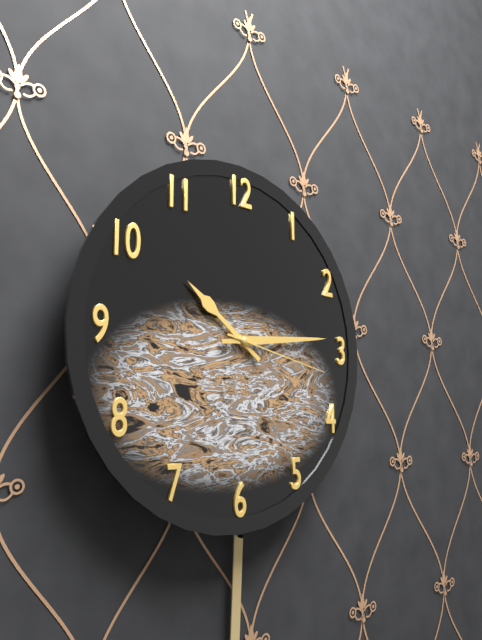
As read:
h=10 m=14 s=17
